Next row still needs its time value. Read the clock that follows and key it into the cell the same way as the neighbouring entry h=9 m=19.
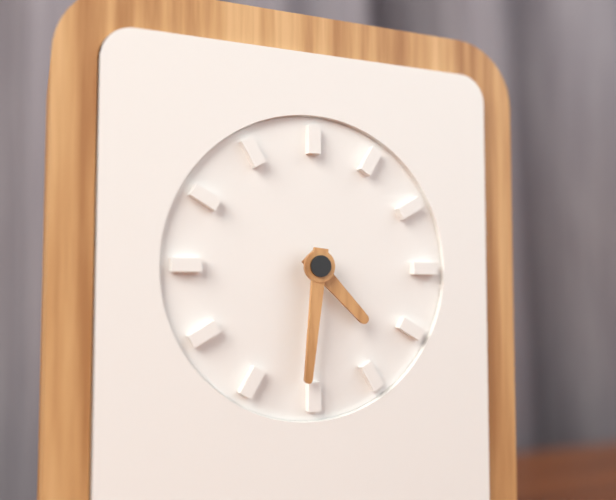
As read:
h=4 m=31
